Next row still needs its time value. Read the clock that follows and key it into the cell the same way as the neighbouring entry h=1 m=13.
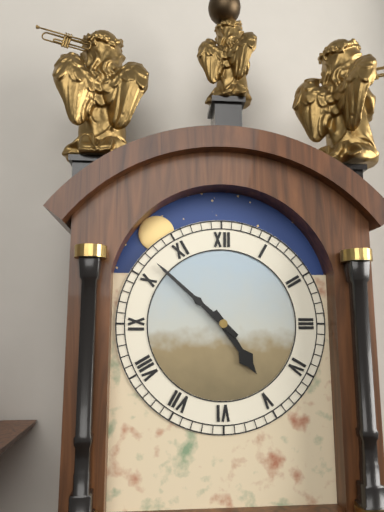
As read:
h=4 m=52
